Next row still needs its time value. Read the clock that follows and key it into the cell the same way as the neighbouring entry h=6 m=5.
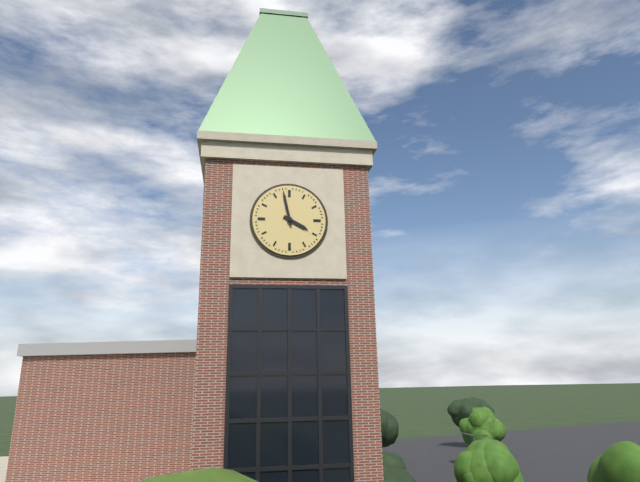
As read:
h=3 m=58
